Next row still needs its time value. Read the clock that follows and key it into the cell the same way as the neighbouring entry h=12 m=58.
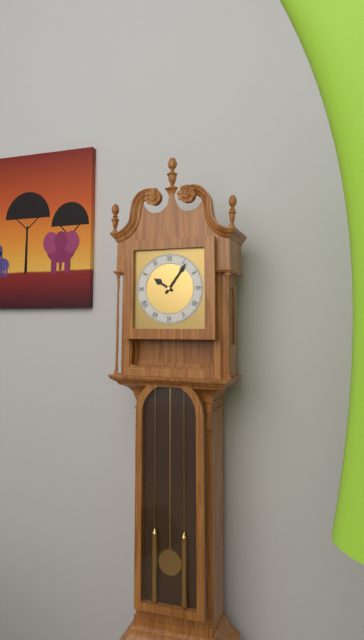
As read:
h=10 m=6
